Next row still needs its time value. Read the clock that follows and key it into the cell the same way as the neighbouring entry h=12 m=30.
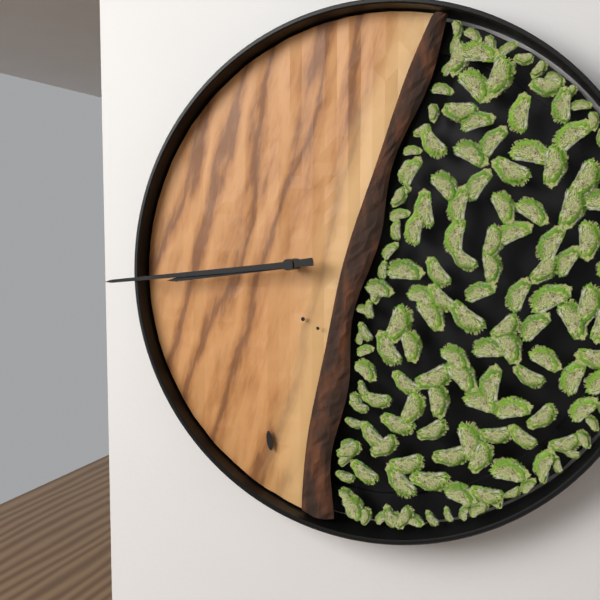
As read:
h=8 m=44
